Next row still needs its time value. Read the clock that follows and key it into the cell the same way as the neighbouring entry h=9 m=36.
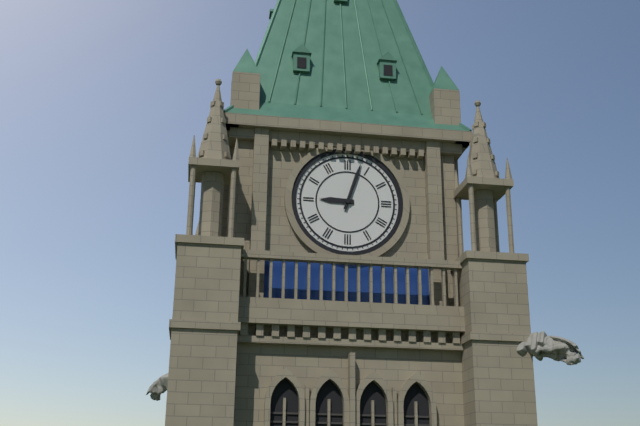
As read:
h=9 m=3
